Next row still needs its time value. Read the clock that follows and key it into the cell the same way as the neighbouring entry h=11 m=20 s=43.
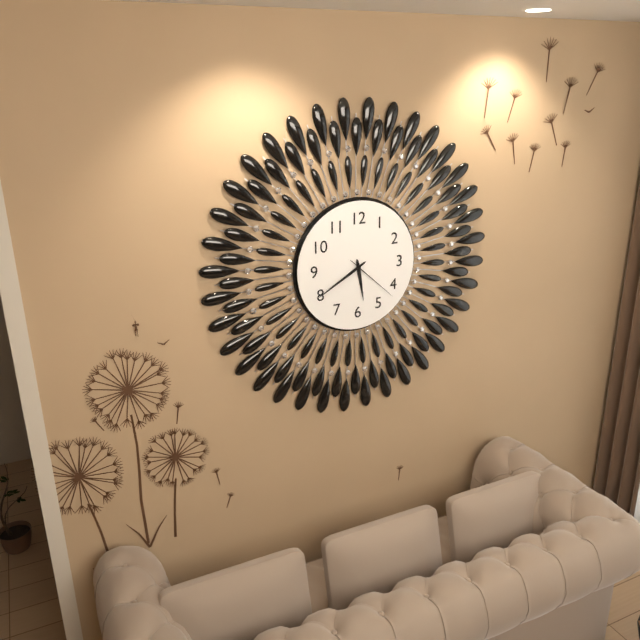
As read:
h=5 m=40 s=22
